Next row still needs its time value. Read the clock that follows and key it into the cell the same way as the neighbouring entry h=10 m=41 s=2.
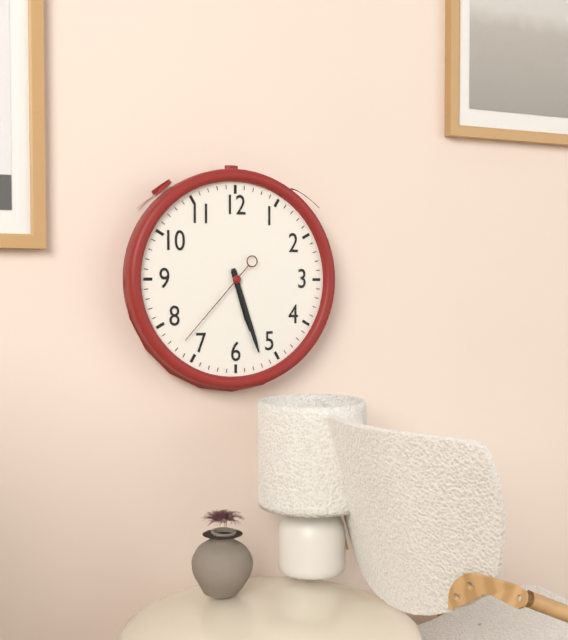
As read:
h=5 m=27 s=37
